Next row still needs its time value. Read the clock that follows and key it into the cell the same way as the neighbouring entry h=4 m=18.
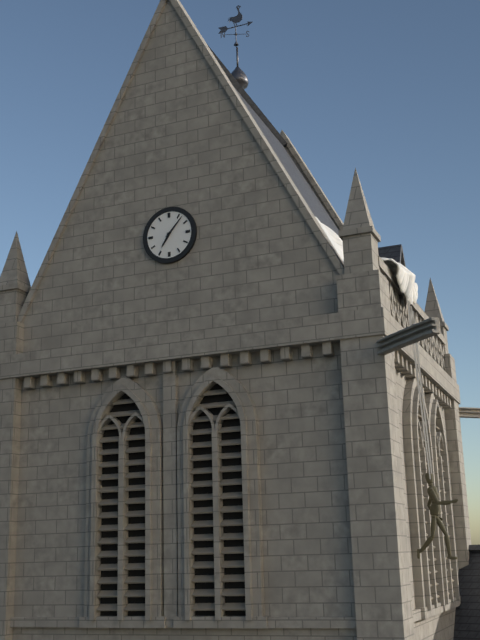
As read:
h=7 m=7
